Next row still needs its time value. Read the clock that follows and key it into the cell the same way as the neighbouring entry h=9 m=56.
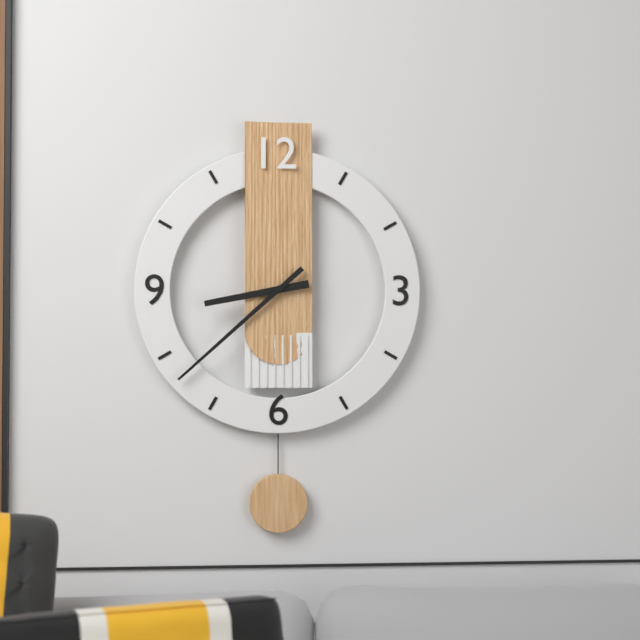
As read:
h=8 m=38
